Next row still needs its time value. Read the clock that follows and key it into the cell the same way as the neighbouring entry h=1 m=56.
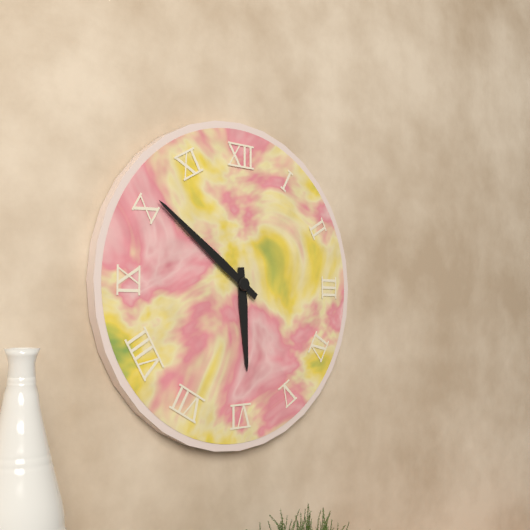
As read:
h=5 m=51
